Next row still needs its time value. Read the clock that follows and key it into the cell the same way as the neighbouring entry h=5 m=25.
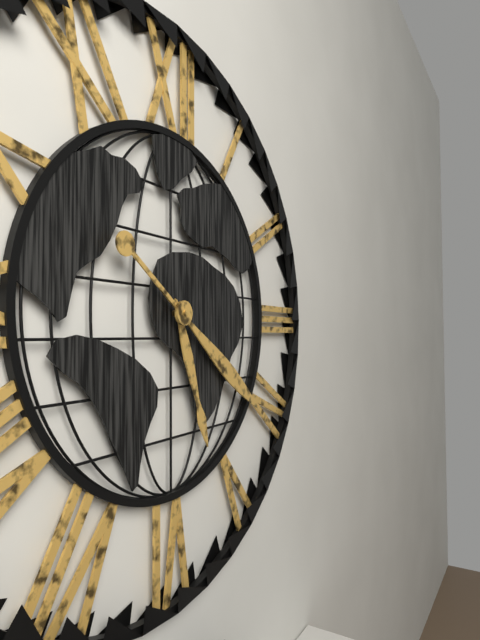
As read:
h=5 m=21
